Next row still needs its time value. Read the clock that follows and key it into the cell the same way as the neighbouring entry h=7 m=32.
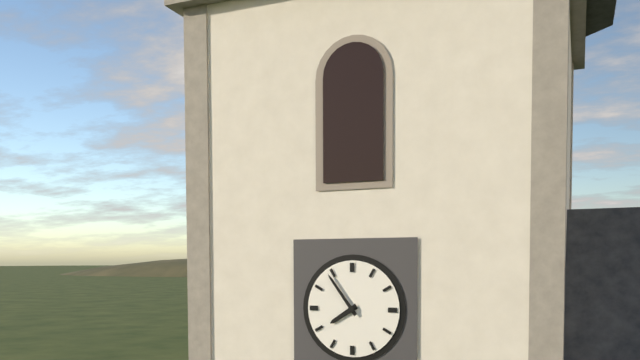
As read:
h=7 m=54
